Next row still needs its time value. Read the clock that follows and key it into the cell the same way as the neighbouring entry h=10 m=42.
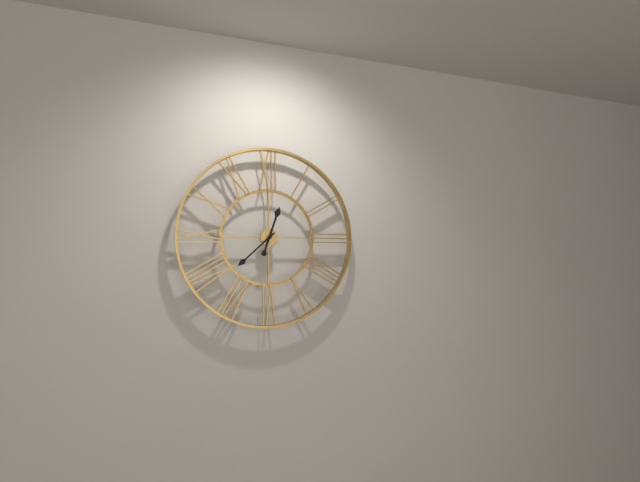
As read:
h=12 m=38
